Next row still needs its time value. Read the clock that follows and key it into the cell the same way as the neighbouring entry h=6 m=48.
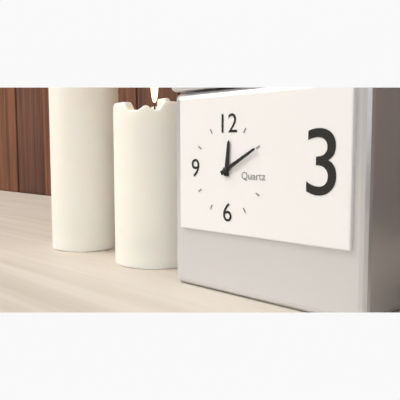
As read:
h=12 m=10
